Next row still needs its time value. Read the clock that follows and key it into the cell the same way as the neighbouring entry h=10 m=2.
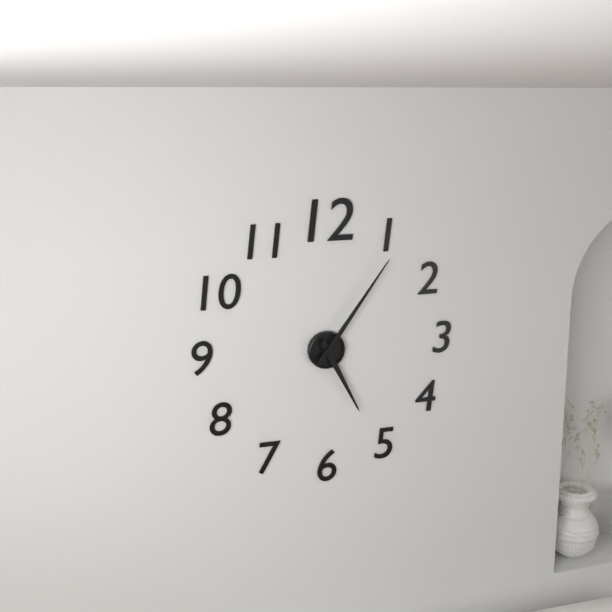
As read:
h=5 m=6
